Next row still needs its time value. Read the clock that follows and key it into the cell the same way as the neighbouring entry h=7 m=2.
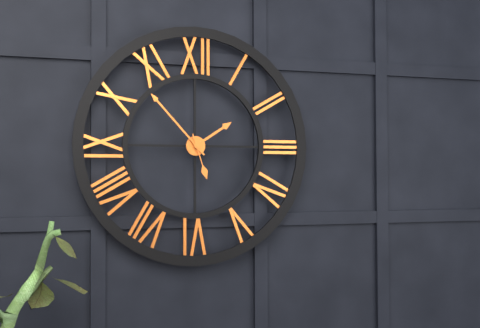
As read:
h=1 m=53
